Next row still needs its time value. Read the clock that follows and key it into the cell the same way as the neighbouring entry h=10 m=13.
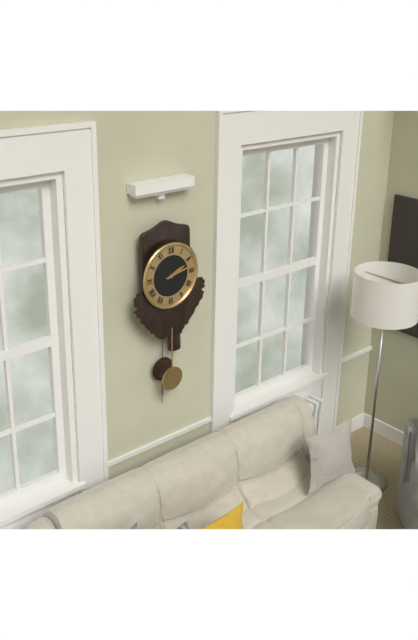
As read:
h=2 m=13
